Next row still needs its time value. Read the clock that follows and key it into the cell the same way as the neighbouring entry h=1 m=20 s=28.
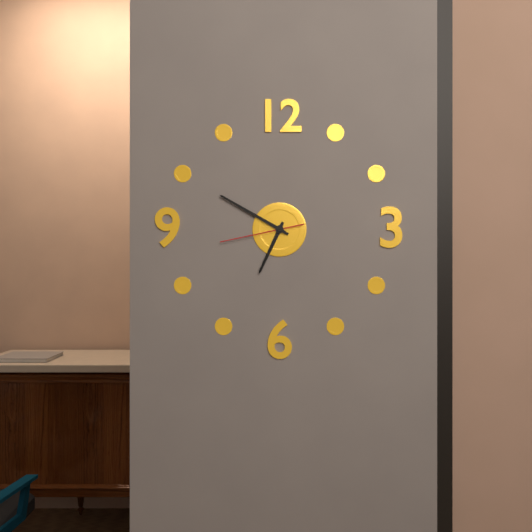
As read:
h=6 m=50 s=43
